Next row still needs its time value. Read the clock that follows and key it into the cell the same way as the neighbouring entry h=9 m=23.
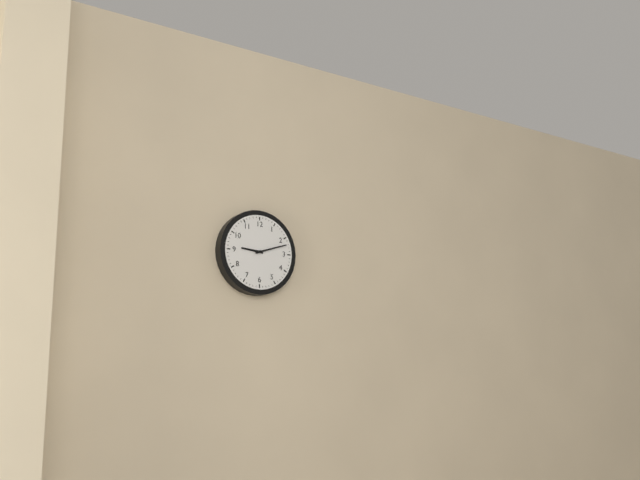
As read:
h=9 m=12
